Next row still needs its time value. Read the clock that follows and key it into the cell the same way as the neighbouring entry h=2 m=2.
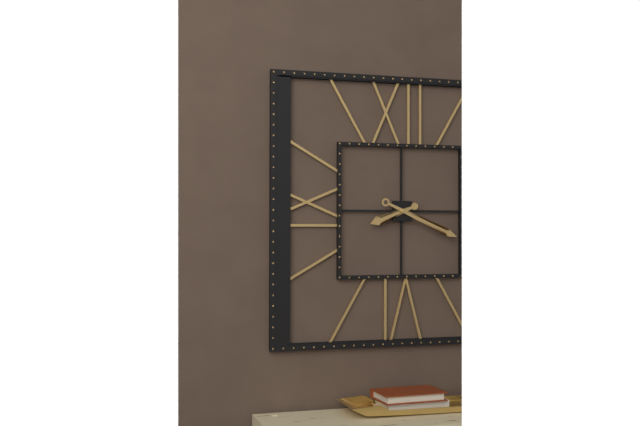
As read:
h=8 m=19
